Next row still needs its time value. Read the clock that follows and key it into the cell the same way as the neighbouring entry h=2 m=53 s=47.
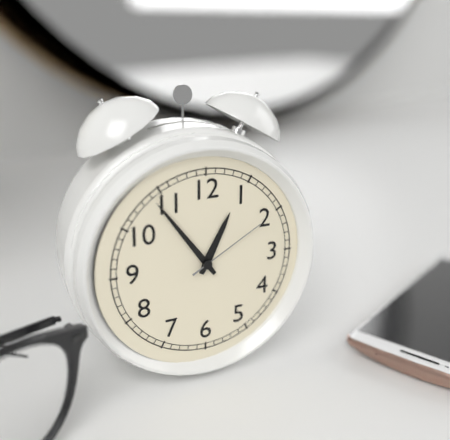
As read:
h=12 m=54 s=10
